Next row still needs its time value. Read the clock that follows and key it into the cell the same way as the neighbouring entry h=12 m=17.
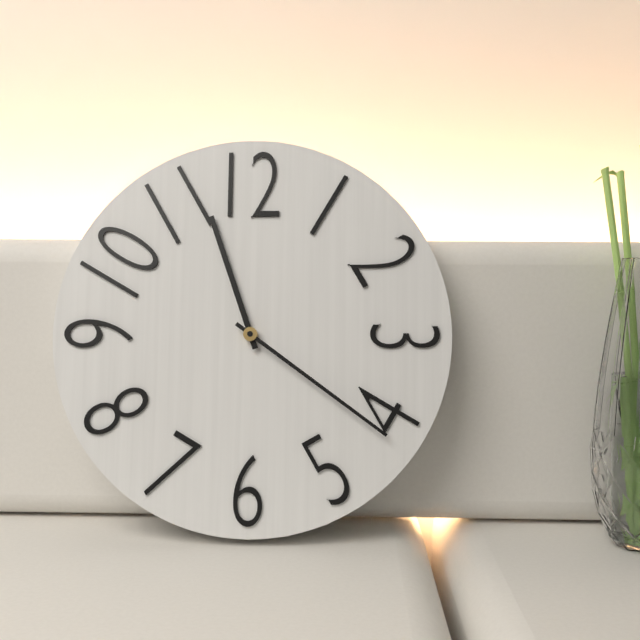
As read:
h=11 m=21
